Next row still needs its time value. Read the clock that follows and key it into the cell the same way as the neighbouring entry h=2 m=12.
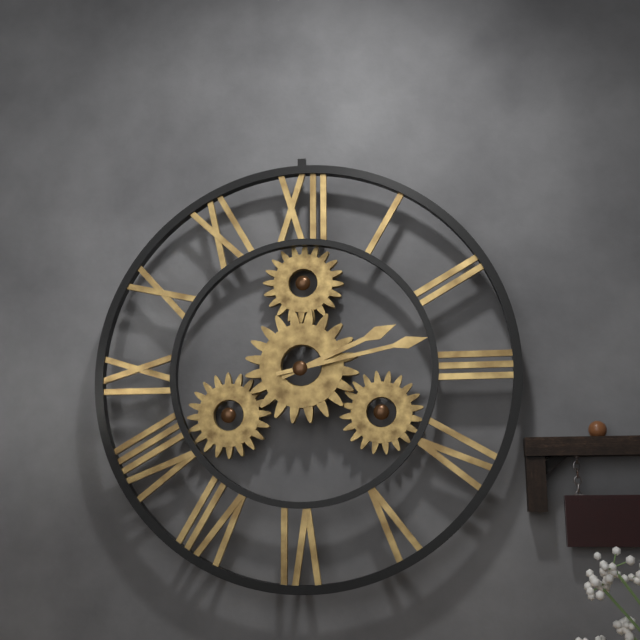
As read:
h=2 m=13
